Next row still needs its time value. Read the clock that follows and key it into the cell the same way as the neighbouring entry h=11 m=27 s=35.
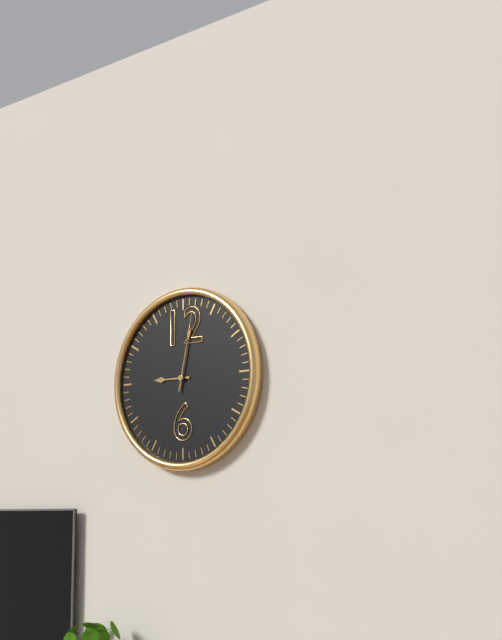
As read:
h=9 m=2 s=2
